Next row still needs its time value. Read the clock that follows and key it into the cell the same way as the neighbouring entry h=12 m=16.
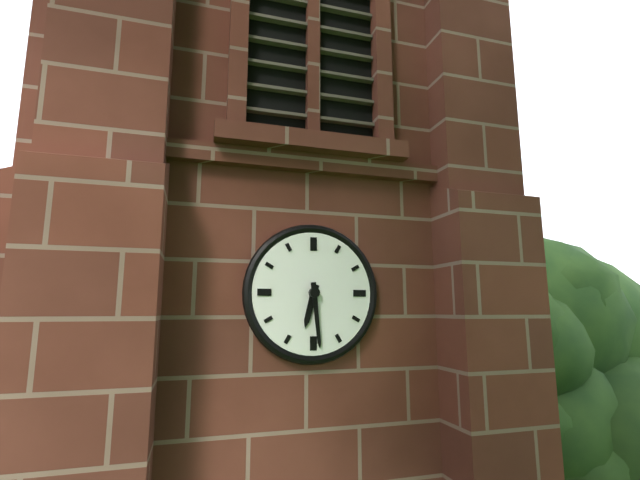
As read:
h=6 m=29
